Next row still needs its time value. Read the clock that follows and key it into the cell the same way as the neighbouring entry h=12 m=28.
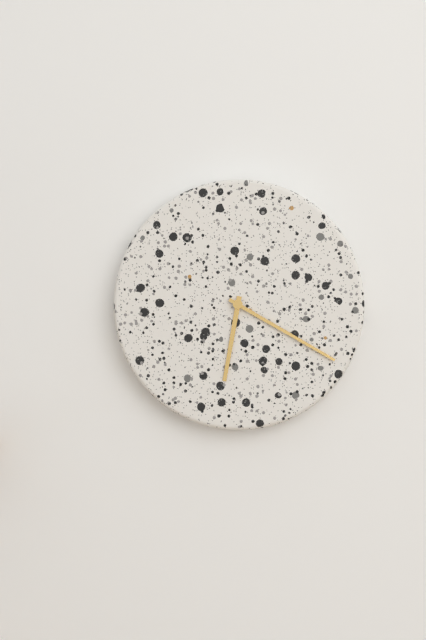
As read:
h=6 m=20
